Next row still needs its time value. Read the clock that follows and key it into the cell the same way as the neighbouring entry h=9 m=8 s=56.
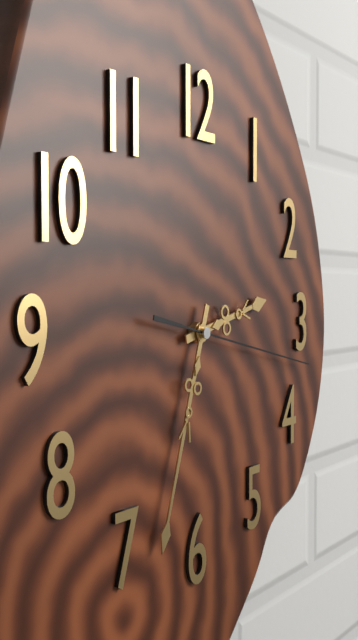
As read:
h=2 m=33 s=17
